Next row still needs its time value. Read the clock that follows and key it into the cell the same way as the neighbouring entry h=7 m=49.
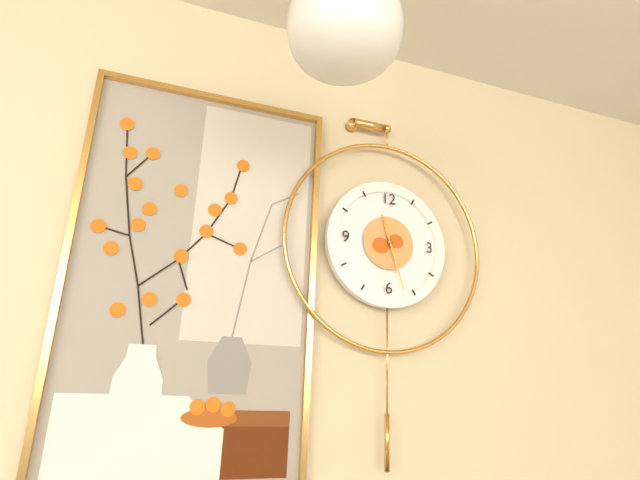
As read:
h=11 m=27
